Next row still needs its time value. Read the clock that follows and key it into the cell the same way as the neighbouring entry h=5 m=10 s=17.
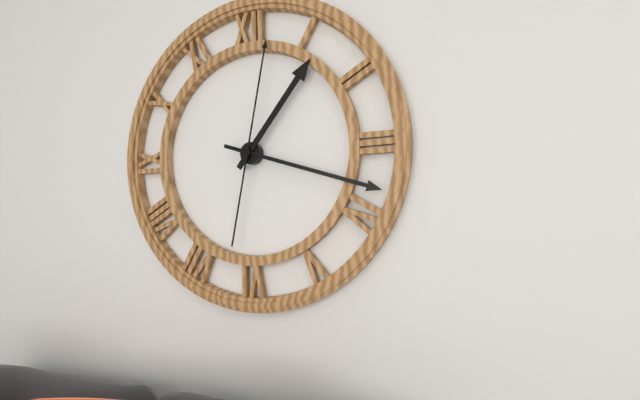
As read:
h=1 m=18 s=2
